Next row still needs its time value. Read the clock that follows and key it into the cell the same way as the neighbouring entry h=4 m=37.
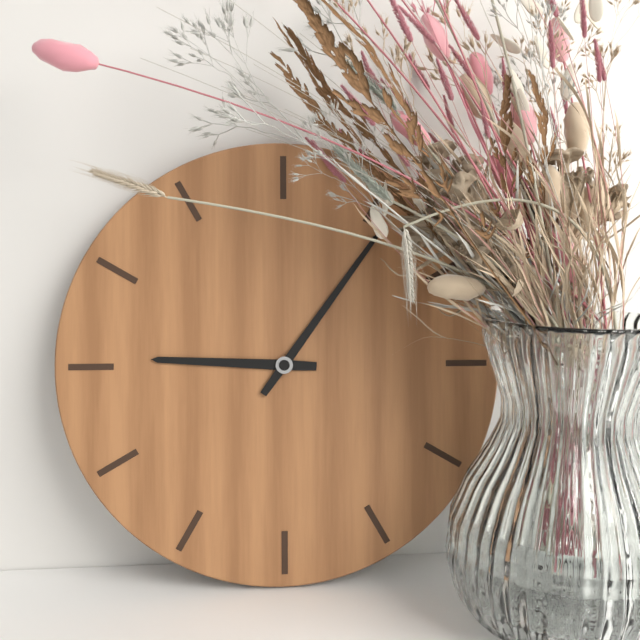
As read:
h=9 m=6
